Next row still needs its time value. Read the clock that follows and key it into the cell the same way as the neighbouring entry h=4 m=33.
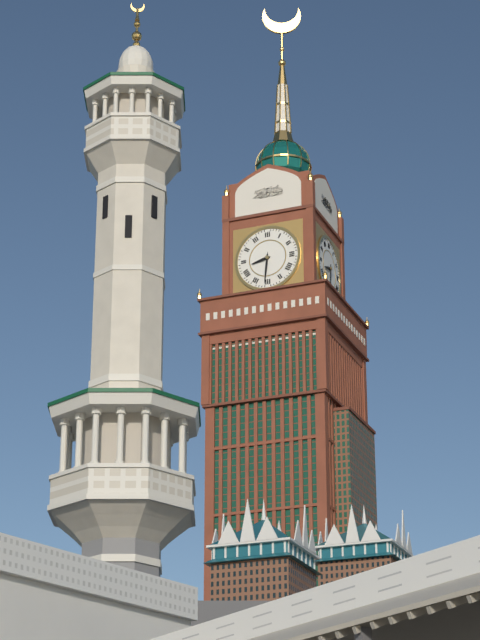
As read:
h=8 m=31
